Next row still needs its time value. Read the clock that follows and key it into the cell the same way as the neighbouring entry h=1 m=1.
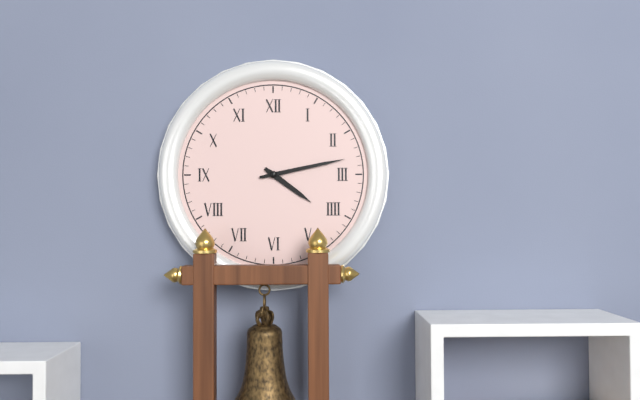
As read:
h=4 m=13
